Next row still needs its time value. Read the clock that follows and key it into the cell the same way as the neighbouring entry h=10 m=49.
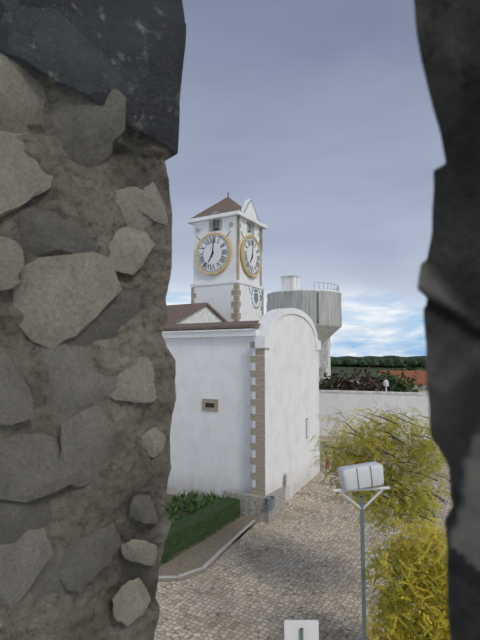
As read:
h=7 m=1
